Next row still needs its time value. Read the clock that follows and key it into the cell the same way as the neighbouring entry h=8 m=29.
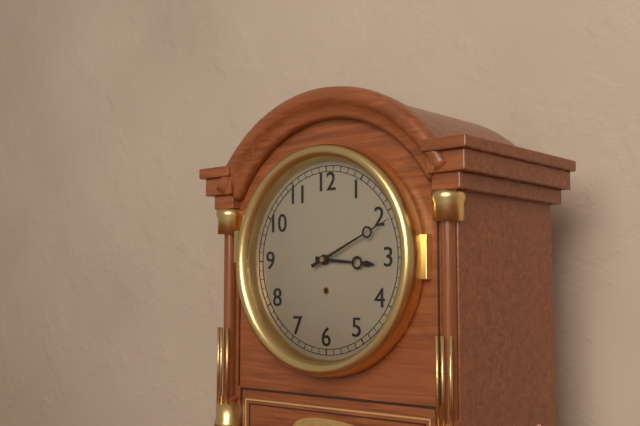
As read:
h=3 m=11
